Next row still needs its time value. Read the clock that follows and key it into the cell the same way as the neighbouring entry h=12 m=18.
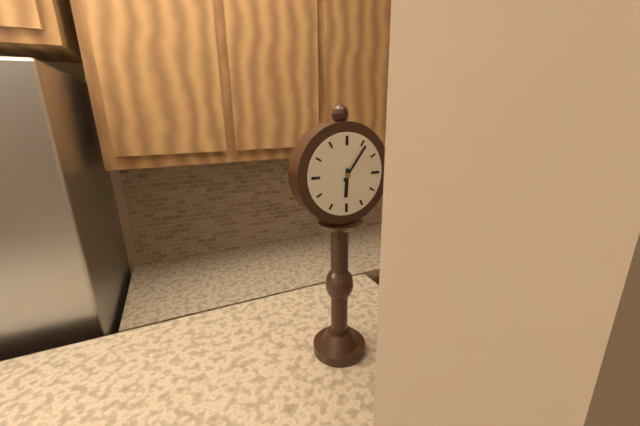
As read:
h=6 m=6
